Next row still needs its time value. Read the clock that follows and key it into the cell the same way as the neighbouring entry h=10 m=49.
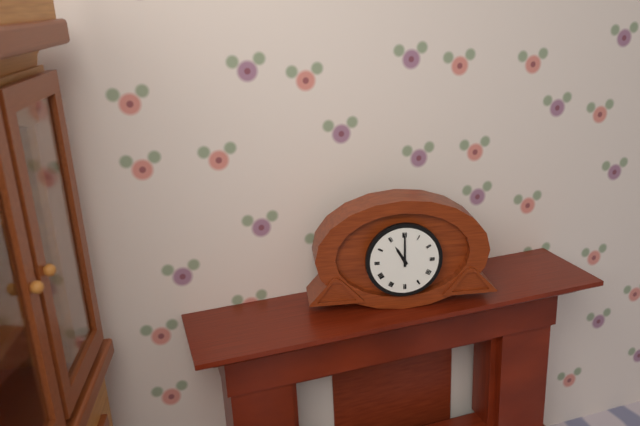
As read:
h=11 m=0
